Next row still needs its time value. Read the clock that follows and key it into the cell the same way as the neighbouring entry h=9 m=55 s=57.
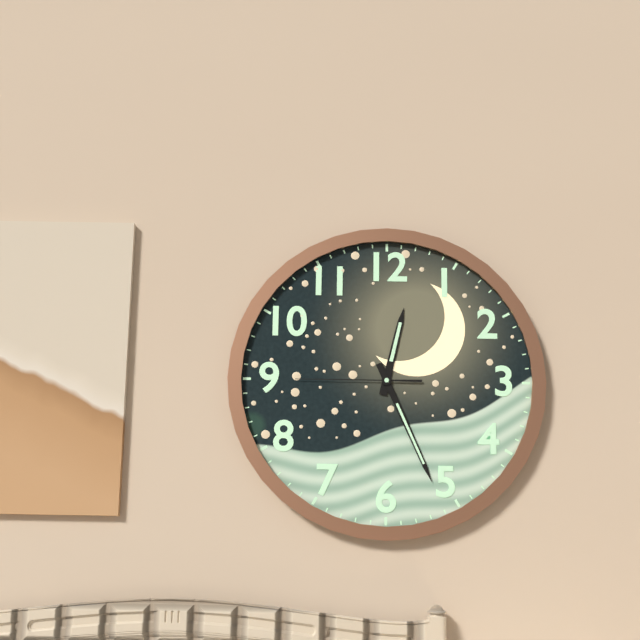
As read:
h=12 m=26 s=45
